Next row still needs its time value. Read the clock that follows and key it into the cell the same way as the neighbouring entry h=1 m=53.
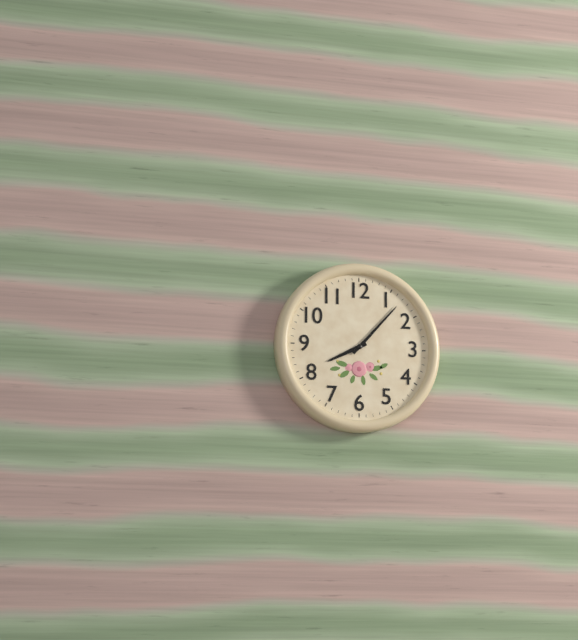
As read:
h=8 m=7
